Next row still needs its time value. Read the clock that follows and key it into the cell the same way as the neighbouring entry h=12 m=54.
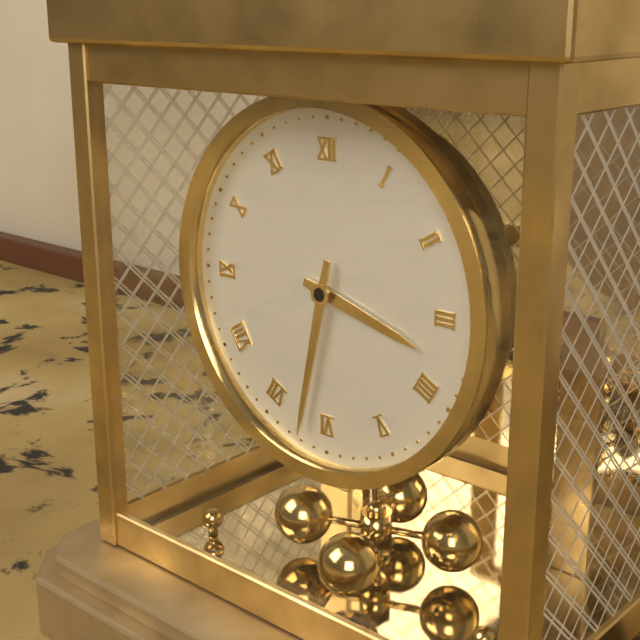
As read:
h=3 m=32
